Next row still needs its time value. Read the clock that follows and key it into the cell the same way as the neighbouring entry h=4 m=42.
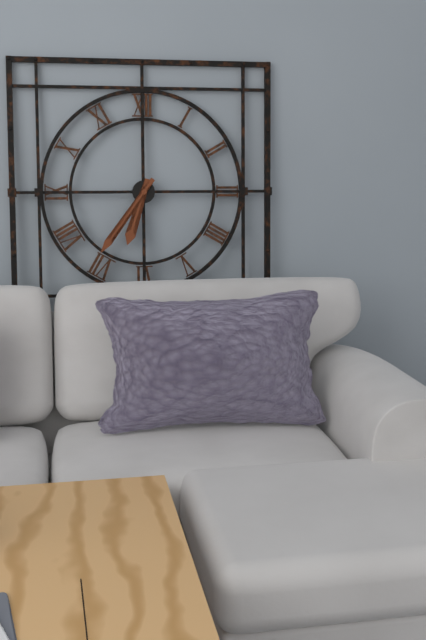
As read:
h=6 m=36
